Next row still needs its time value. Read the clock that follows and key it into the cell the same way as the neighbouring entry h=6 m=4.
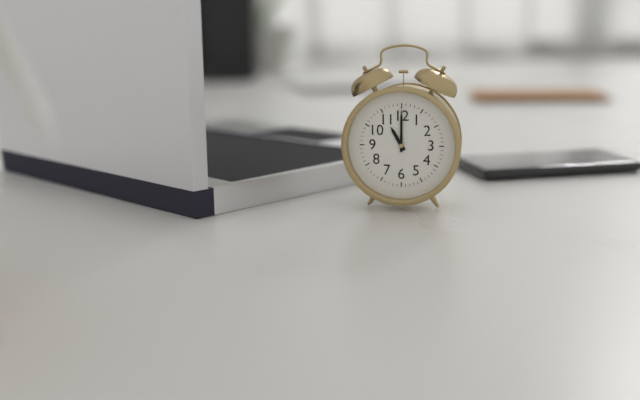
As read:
h=11 m=0
